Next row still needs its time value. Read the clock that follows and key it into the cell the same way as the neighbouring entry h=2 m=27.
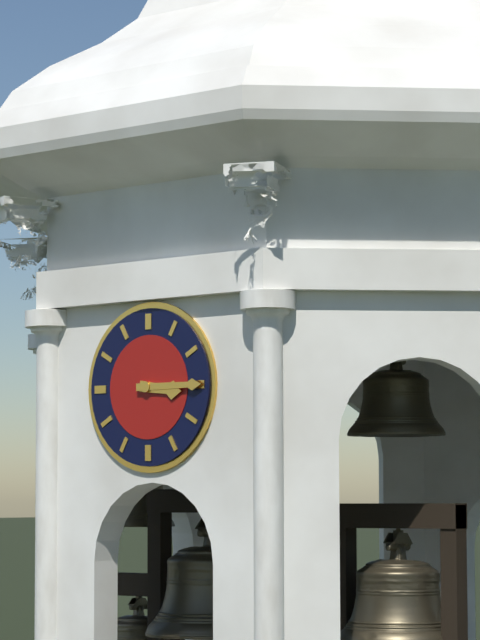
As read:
h=3 m=15
